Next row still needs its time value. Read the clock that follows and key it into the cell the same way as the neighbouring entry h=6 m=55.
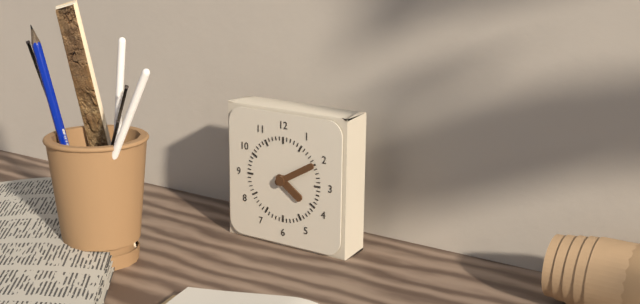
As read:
h=4 m=10
